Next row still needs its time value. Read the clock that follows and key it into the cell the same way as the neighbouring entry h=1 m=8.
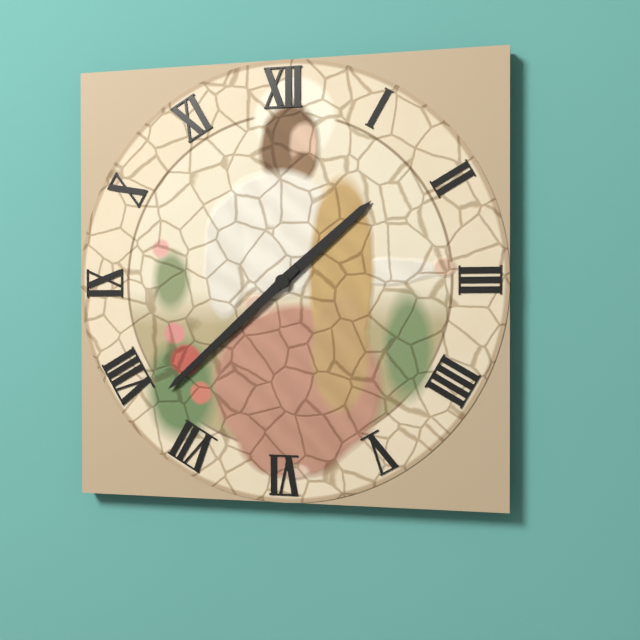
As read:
h=1 m=38
